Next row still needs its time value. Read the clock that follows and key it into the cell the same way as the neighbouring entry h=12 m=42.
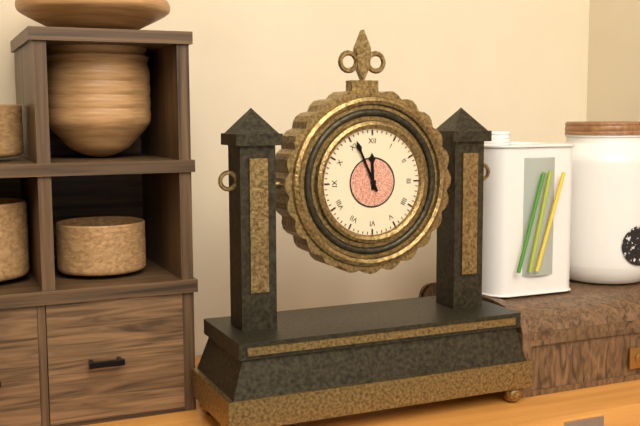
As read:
h=11 m=56
